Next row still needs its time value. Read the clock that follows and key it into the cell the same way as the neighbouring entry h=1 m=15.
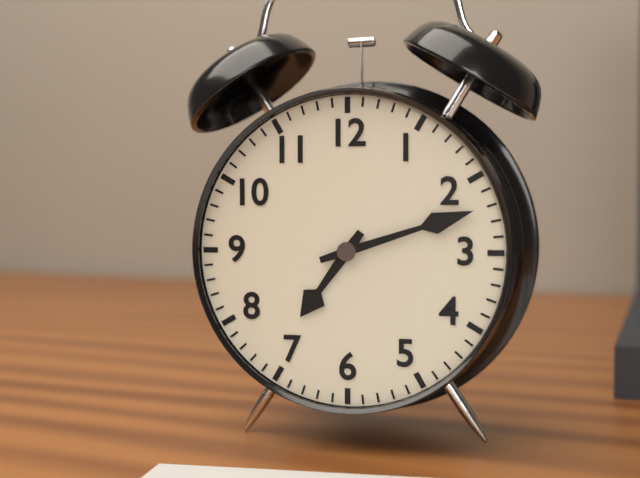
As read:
h=7 m=12
